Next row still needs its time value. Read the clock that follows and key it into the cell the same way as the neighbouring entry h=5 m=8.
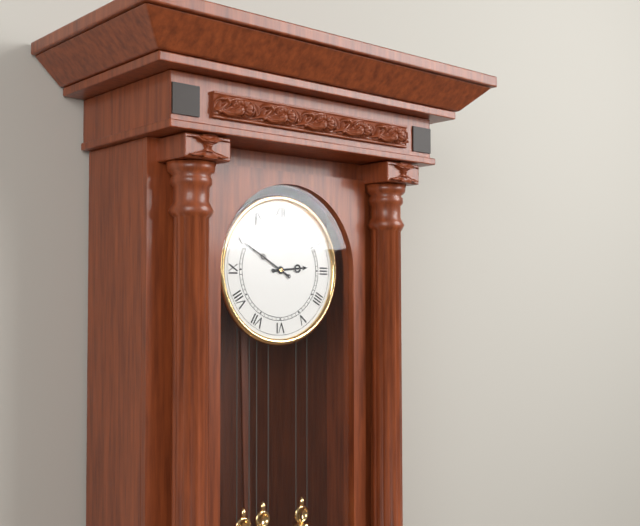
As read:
h=2 m=50
